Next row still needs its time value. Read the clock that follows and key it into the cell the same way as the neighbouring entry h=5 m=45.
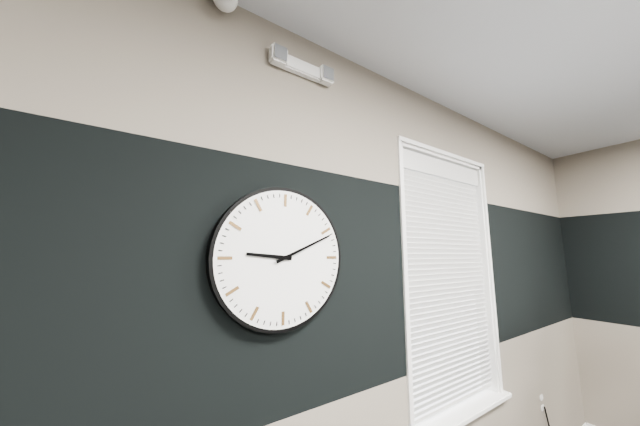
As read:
h=9 m=11
